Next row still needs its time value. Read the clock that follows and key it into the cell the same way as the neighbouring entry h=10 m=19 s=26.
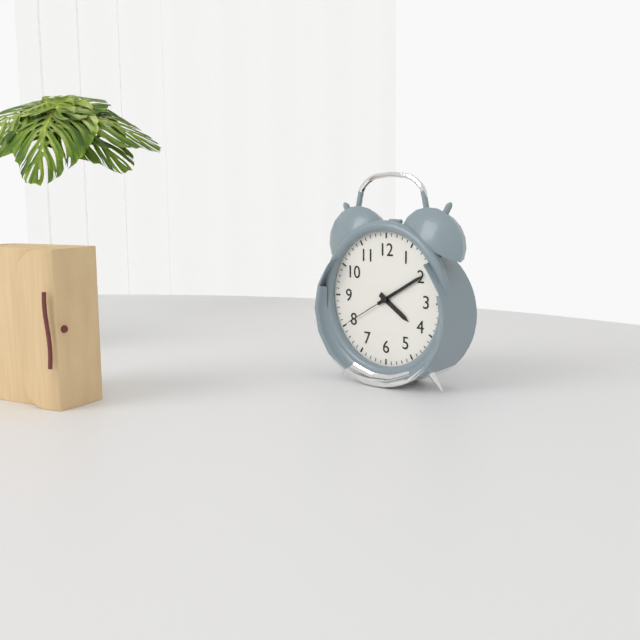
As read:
h=4 m=10 s=40
